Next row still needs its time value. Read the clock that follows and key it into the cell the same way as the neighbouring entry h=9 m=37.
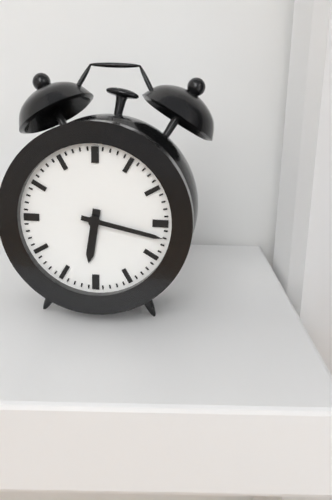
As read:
h=6 m=17
